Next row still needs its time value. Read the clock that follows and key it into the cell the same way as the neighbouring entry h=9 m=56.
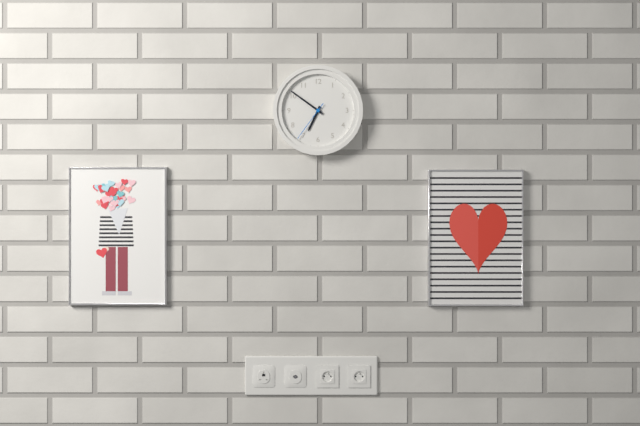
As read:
h=6 m=51
